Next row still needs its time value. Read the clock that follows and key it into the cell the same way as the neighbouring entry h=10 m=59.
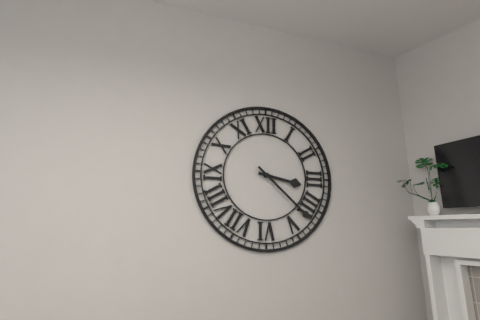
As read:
h=3 m=22
